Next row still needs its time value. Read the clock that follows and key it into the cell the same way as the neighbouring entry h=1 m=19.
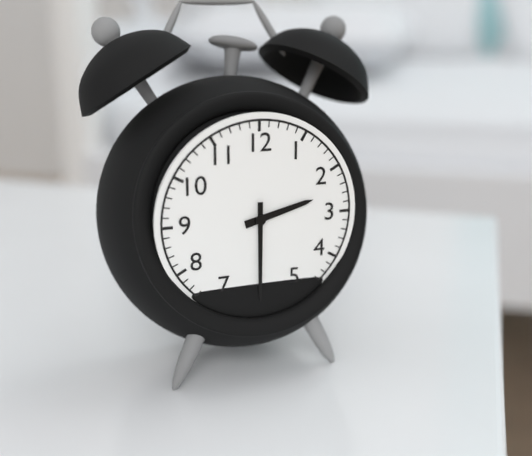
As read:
h=2 m=30
